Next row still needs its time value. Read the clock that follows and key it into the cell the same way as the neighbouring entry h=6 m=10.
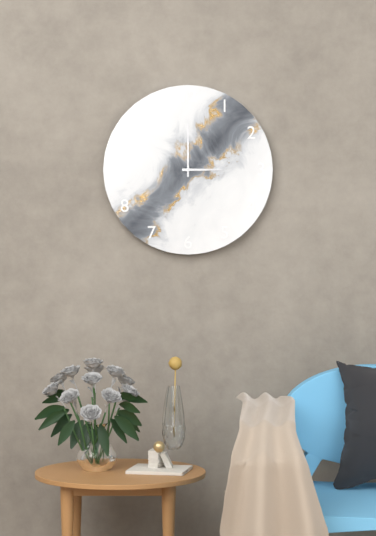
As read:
h=3 m=0
